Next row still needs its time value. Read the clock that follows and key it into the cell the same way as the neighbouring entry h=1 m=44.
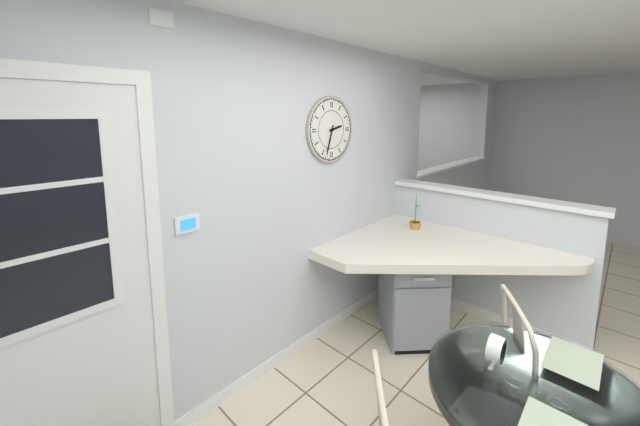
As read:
h=2 m=33
